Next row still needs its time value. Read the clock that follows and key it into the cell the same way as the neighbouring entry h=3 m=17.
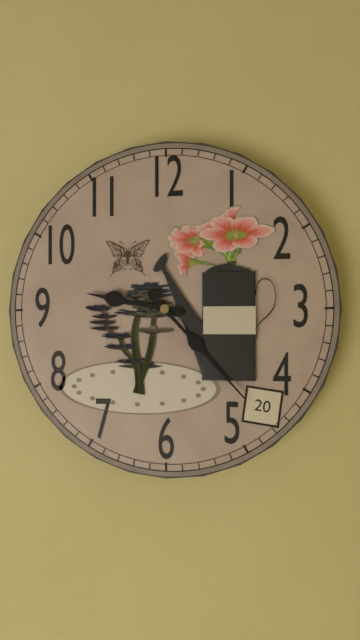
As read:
h=9 m=23
